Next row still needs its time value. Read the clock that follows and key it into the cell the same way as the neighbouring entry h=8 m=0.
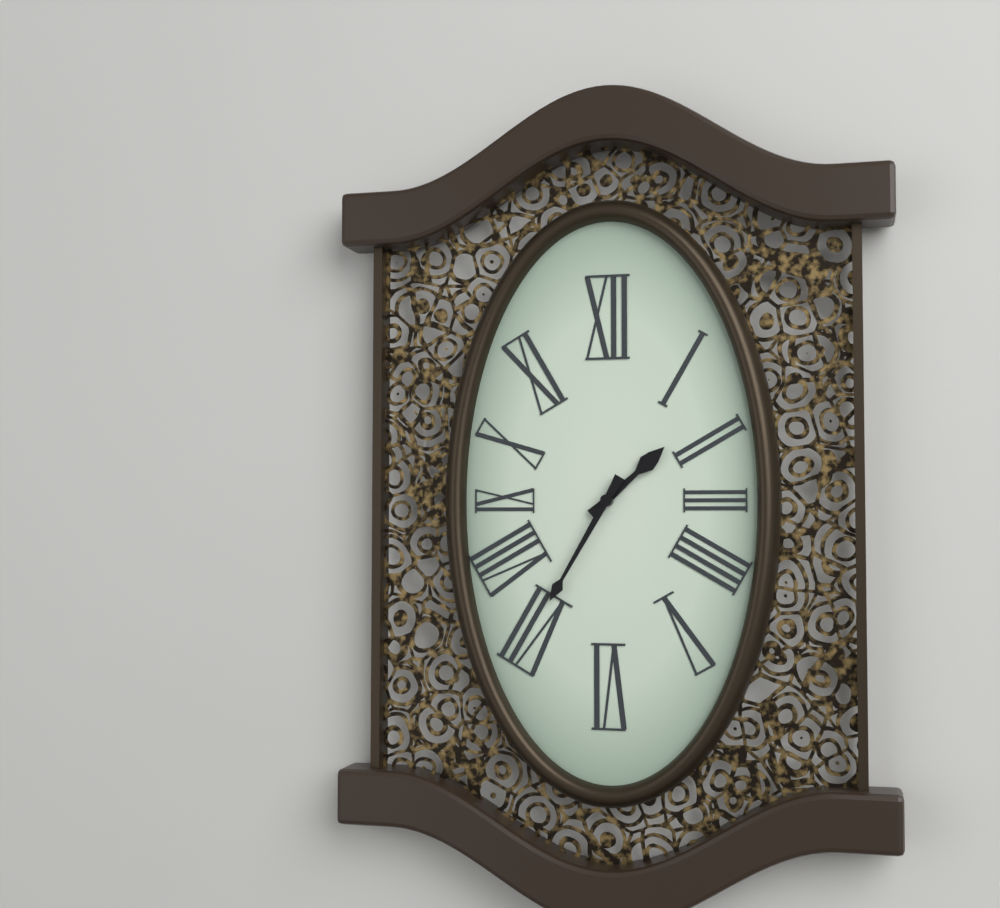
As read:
h=1 m=35
